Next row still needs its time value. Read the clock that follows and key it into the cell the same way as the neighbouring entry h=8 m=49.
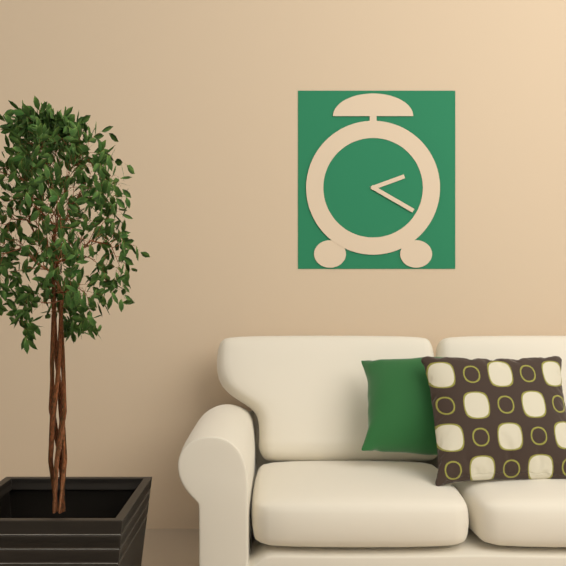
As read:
h=2 m=20
